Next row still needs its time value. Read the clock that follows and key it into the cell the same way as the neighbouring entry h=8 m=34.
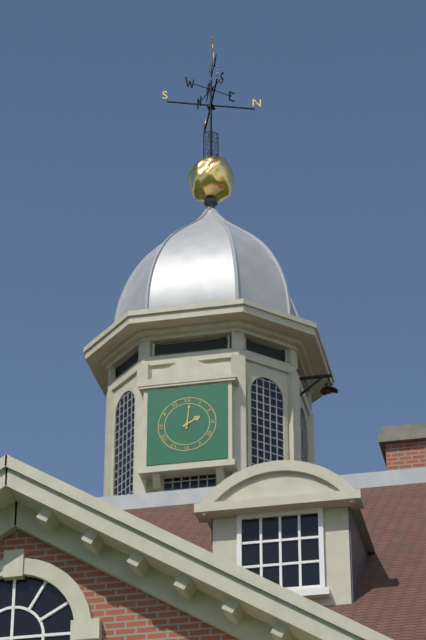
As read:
h=2 m=1
